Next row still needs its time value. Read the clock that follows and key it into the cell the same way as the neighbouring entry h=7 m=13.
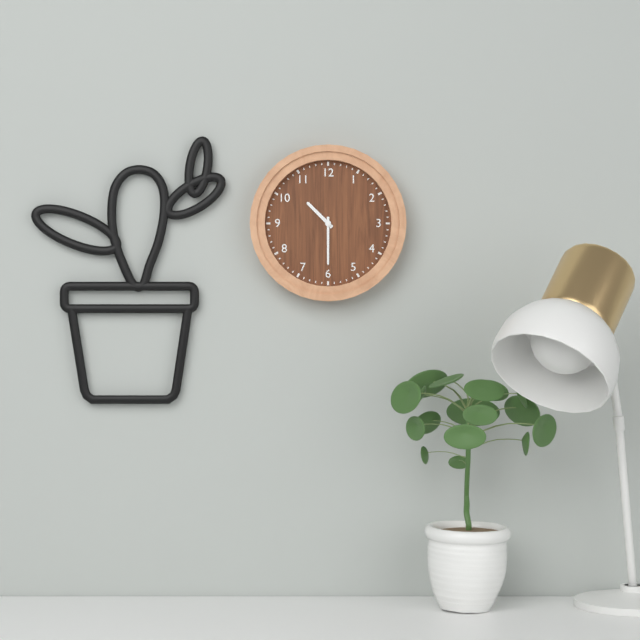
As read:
h=10 m=30
